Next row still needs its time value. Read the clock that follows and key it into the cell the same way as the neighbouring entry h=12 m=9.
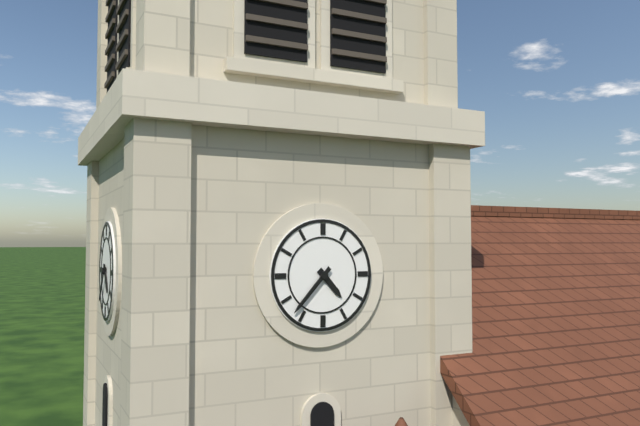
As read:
h=4 m=37
